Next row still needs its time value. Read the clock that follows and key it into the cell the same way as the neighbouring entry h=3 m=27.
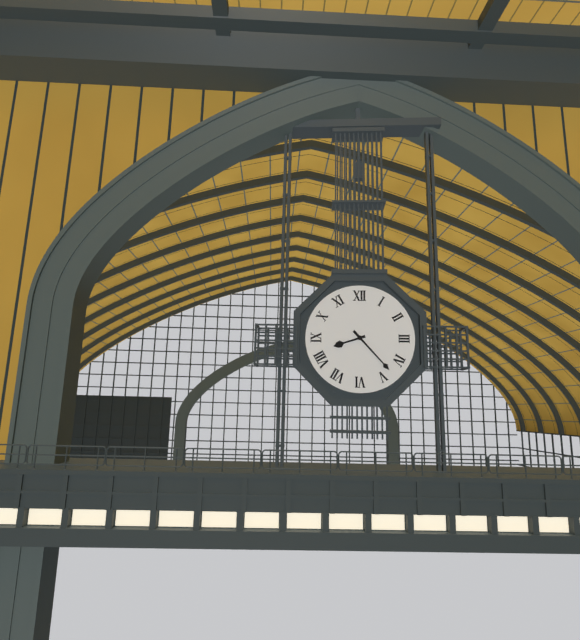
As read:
h=8 m=23
